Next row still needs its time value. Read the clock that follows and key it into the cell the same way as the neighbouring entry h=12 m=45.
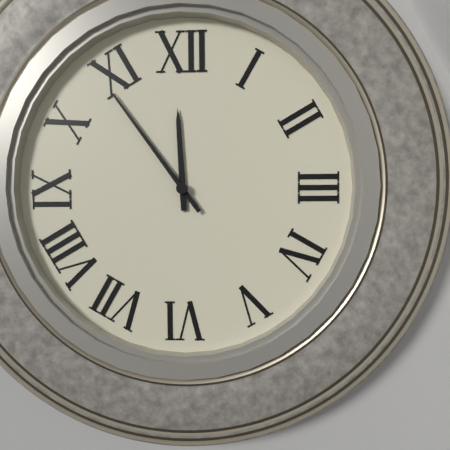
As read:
h=11 m=54
